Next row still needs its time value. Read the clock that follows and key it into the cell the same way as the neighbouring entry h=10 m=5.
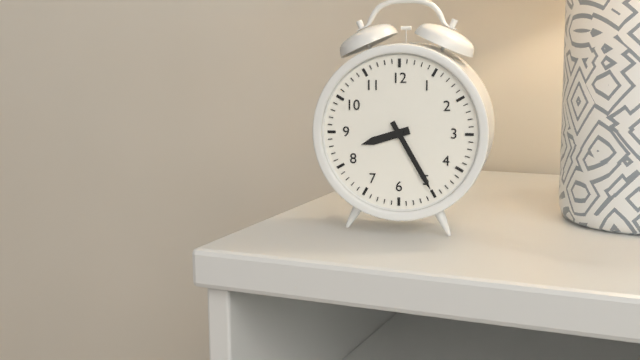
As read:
h=8 m=25
